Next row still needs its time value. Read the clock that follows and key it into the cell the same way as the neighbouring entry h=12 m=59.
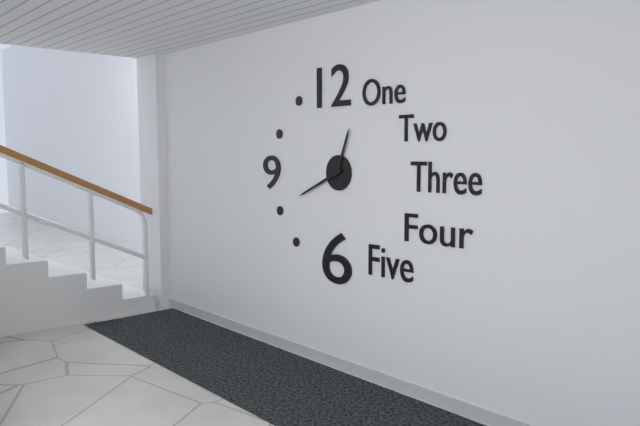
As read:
h=12 m=41
